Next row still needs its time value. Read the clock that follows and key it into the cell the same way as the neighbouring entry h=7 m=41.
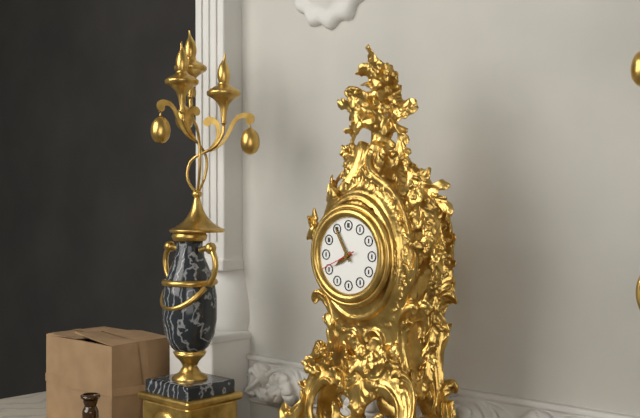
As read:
h=7 m=55
